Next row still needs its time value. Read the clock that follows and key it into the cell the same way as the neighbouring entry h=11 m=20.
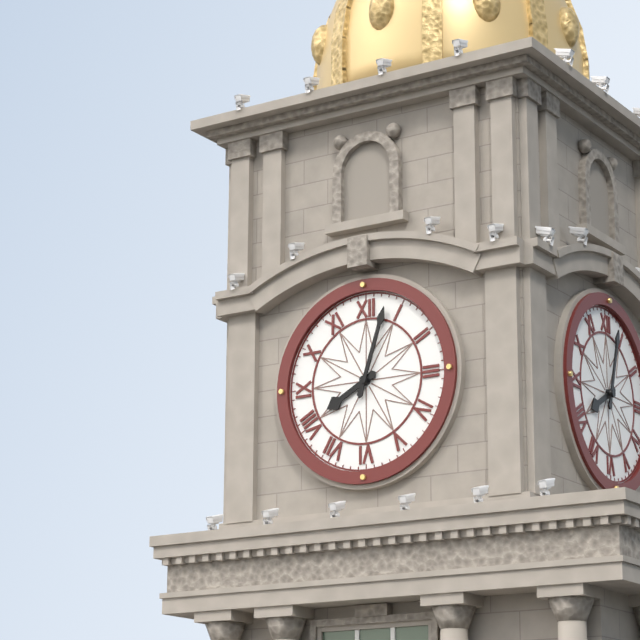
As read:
h=8 m=3
